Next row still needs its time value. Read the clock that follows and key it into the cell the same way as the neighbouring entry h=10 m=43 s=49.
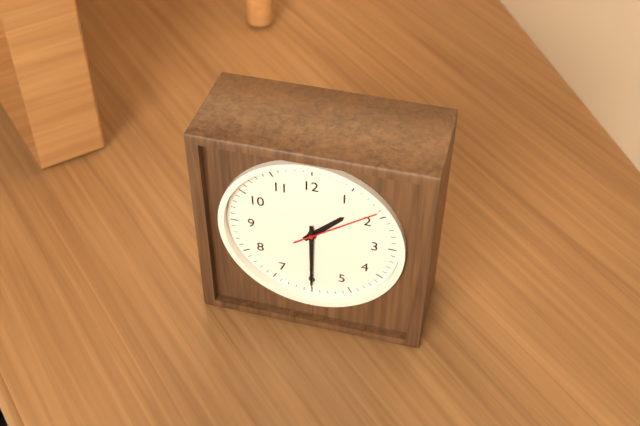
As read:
h=1 m=30 s=9
